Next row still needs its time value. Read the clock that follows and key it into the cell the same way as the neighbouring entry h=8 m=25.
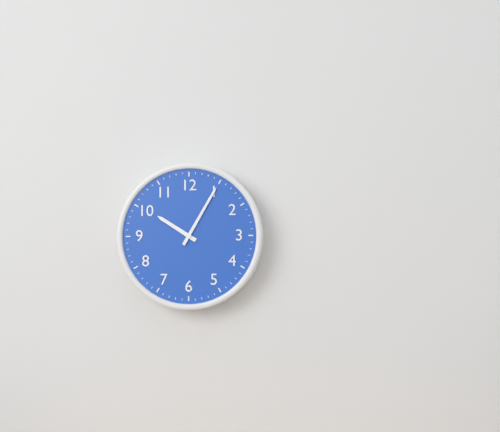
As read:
h=10 m=5
